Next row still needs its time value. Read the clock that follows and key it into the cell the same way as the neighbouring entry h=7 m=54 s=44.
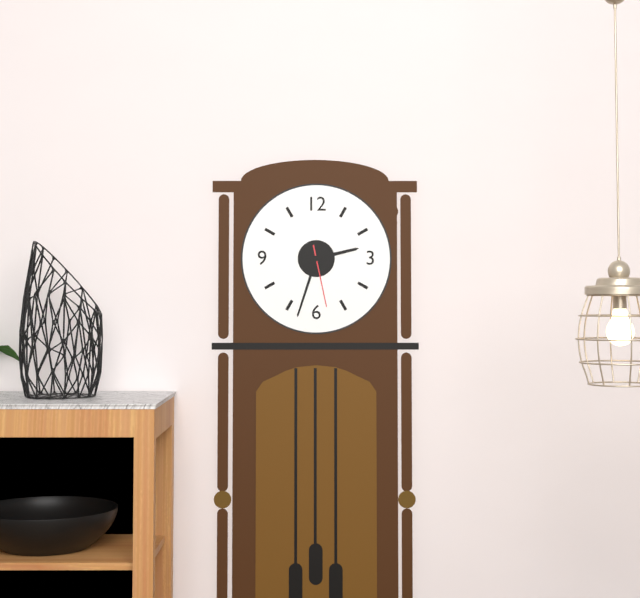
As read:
h=2 m=33 s=28
